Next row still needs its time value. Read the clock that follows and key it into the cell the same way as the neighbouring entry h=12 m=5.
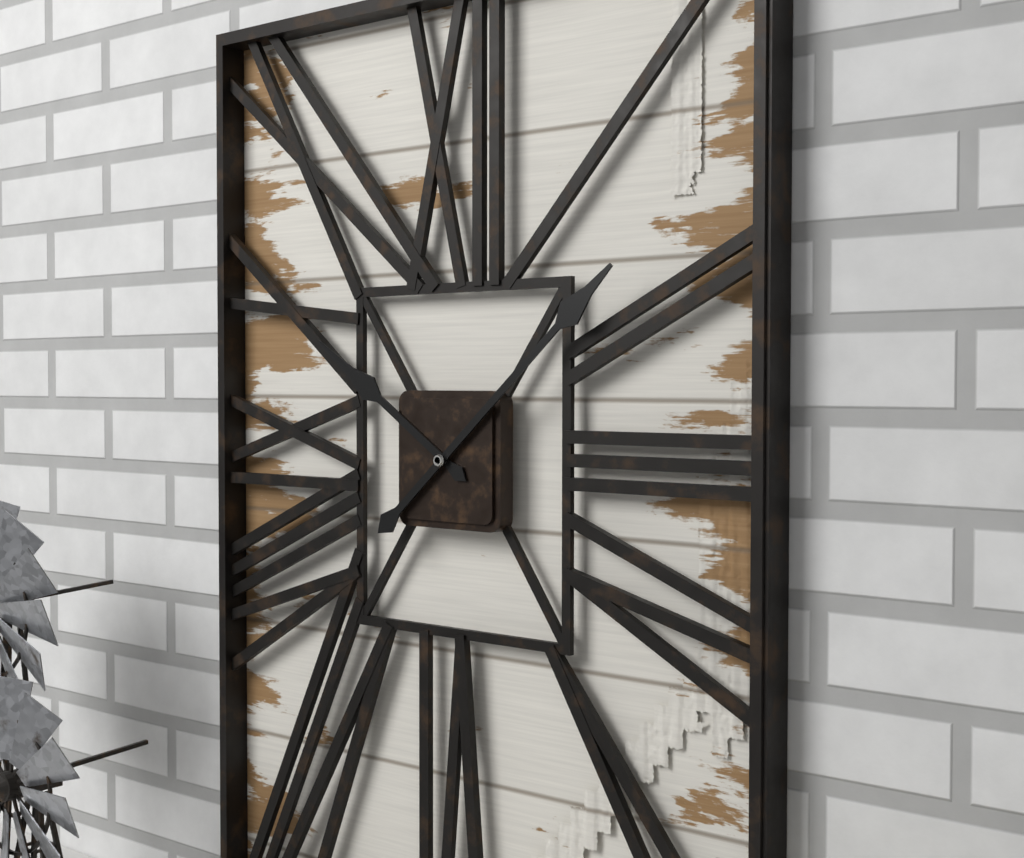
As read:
h=10 m=8
